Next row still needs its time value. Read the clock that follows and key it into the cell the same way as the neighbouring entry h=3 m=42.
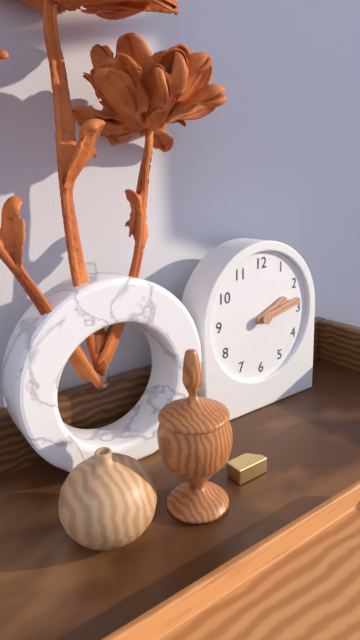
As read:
h=2 m=13
